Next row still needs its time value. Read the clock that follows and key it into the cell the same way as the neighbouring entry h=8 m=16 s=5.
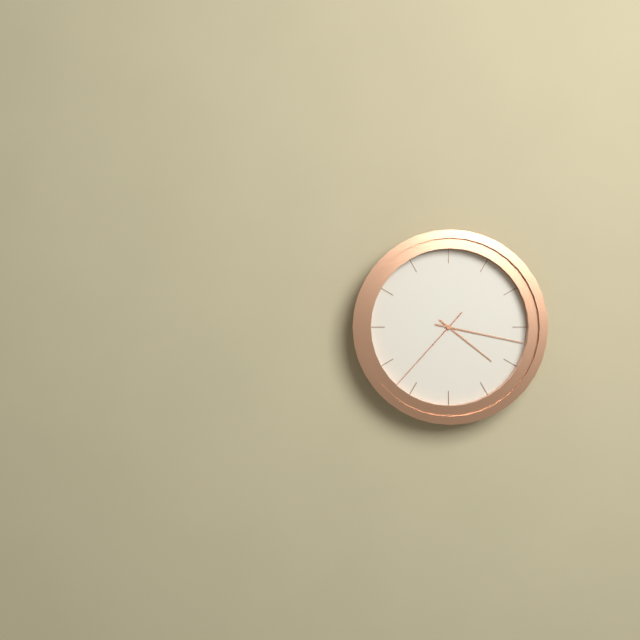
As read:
h=4 m=17 s=37
